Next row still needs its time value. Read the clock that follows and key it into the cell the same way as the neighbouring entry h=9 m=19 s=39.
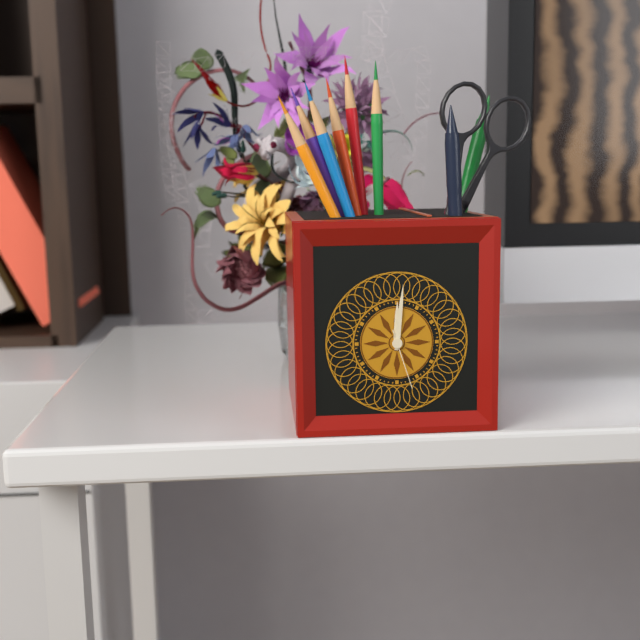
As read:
h=12 m=1 s=27
